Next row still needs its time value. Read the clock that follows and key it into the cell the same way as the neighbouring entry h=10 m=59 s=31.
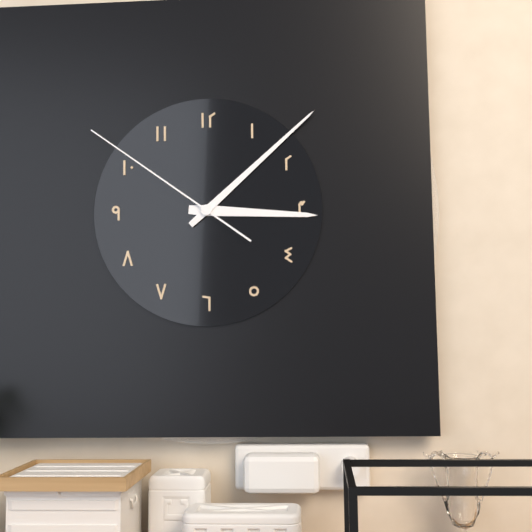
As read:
h=3 m=8 s=51
